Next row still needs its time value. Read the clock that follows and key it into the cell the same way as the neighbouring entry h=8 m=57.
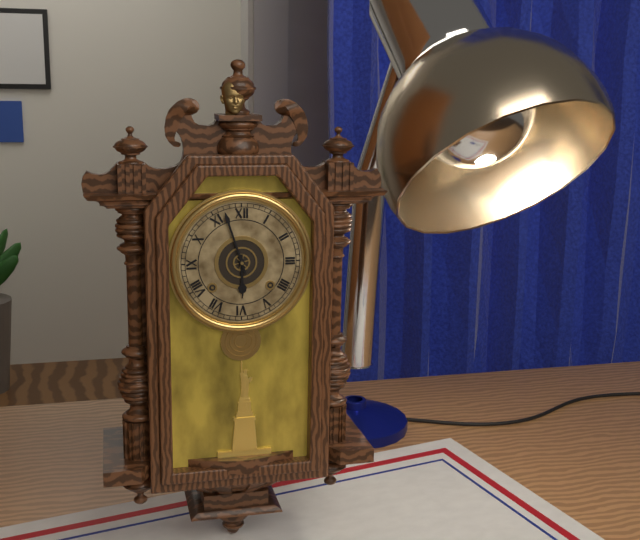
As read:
h=5 m=57
